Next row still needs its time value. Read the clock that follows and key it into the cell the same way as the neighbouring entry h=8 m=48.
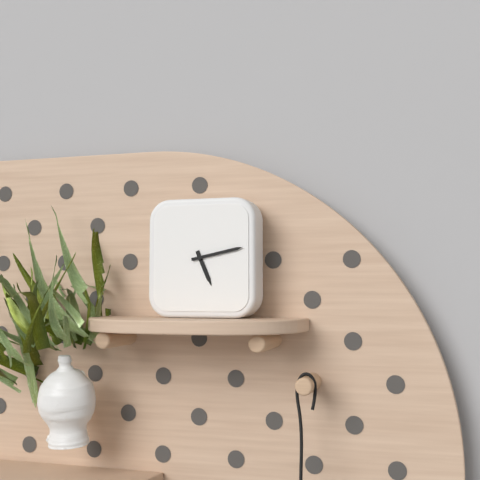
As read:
h=5 m=13
